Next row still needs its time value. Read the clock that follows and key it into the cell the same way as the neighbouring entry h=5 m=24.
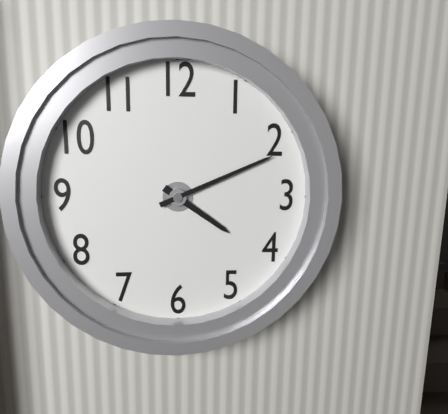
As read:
h=4 m=11
